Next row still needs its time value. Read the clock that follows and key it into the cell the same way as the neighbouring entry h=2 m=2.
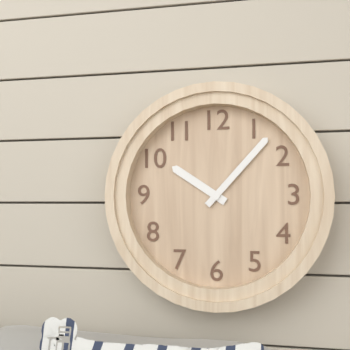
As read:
h=10 m=7
